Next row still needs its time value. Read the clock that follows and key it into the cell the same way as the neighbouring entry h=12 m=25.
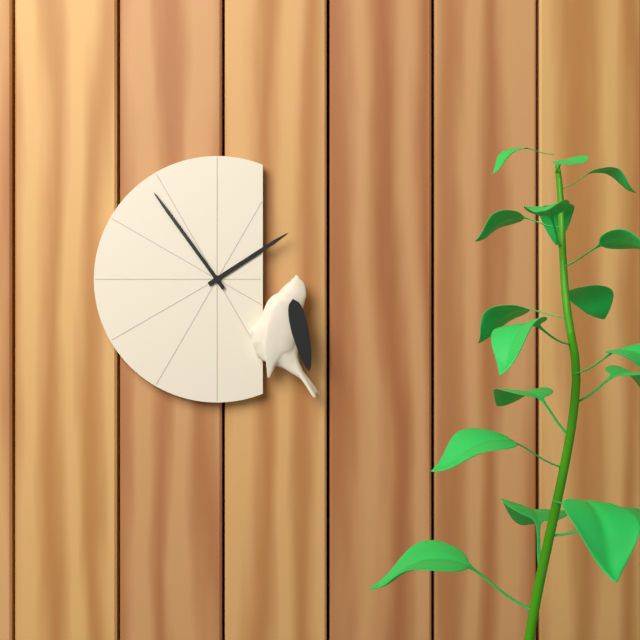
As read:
h=1 m=54
